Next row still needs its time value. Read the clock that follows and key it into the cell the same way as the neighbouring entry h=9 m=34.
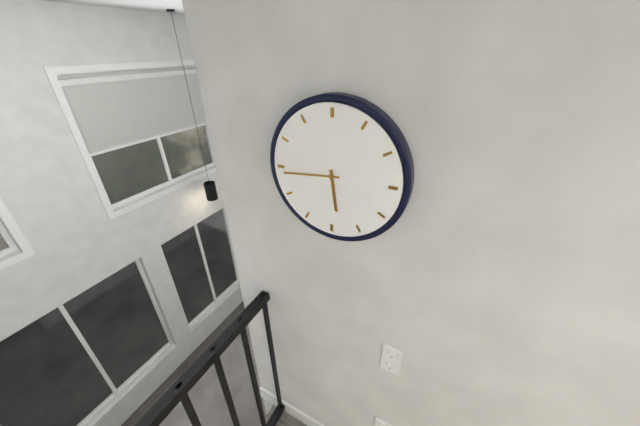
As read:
h=5 m=44
